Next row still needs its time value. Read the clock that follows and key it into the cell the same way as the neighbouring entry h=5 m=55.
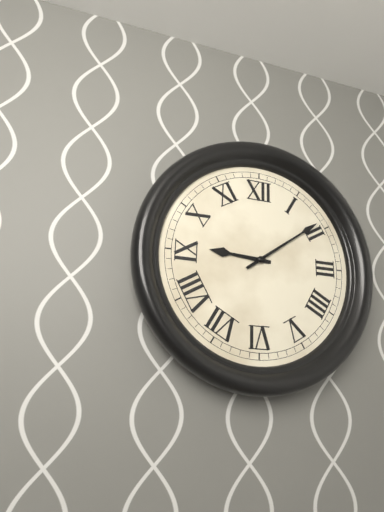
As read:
h=9 m=9
